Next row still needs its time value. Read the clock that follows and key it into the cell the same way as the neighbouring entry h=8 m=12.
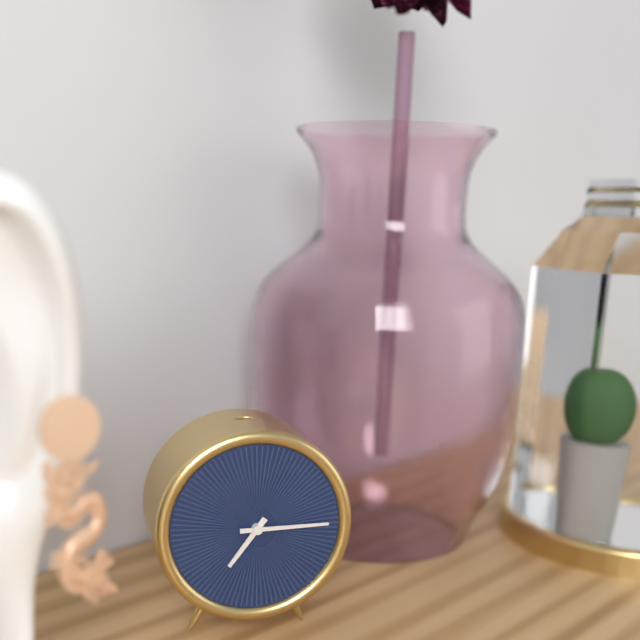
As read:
h=7 m=15
